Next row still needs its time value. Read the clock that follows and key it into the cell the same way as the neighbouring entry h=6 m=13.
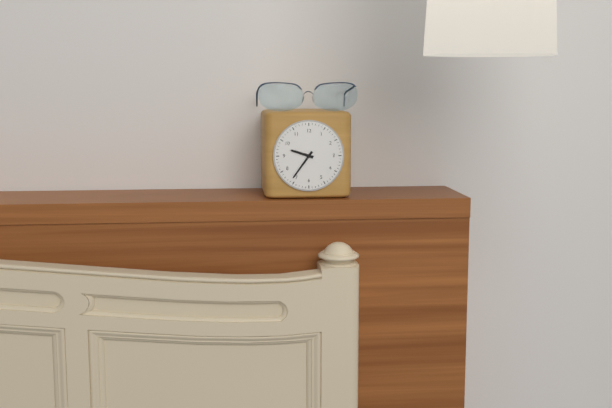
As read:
h=9 m=36
